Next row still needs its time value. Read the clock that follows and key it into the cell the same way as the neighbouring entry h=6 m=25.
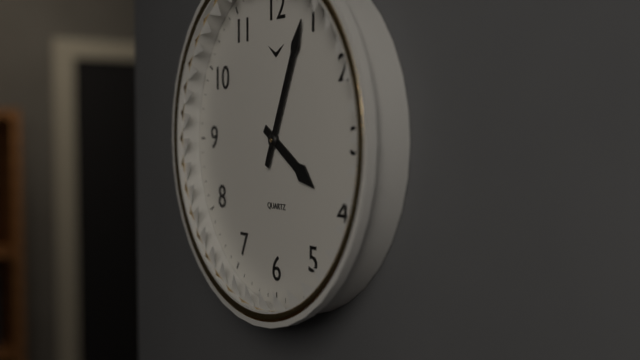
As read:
h=4 m=4
